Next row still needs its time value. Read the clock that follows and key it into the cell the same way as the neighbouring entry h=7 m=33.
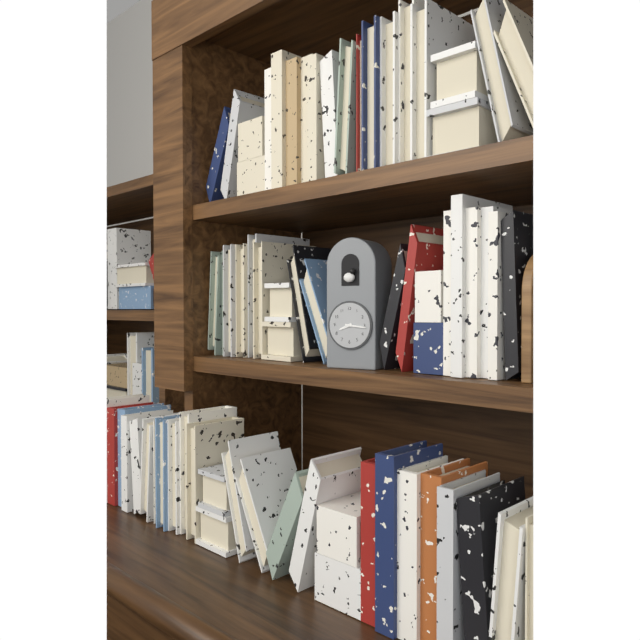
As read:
h=8 m=16
